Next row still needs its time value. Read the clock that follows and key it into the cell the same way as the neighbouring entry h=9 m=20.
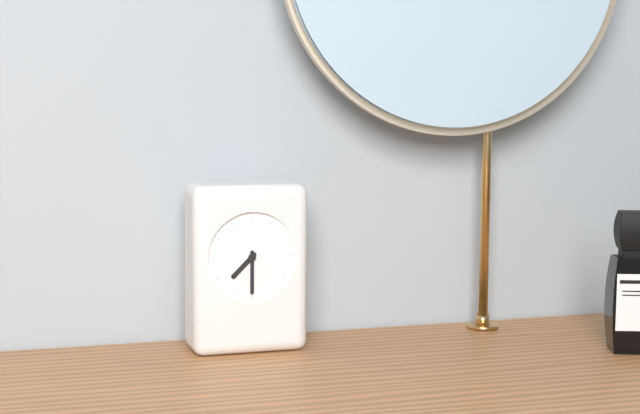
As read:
h=7 m=30
